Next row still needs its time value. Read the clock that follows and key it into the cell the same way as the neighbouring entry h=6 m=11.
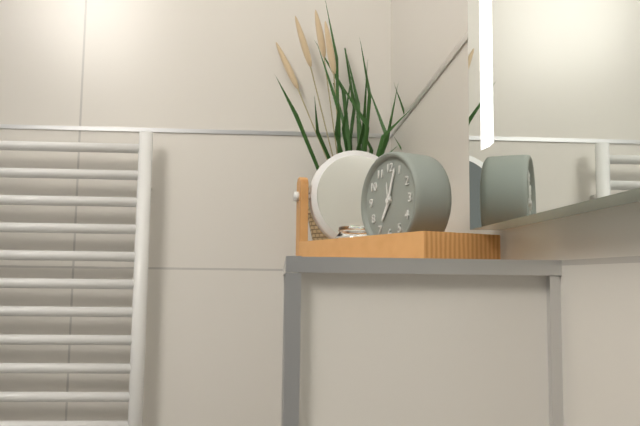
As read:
h=7 m=3
